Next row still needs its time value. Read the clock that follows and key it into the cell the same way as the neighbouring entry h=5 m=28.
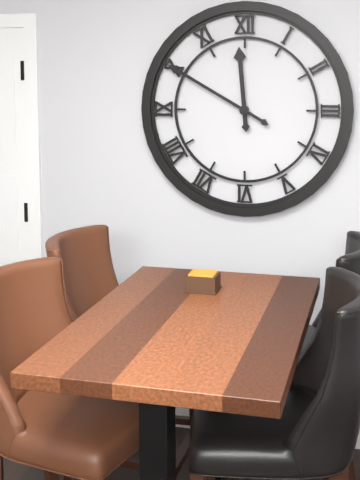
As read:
h=11 m=50
